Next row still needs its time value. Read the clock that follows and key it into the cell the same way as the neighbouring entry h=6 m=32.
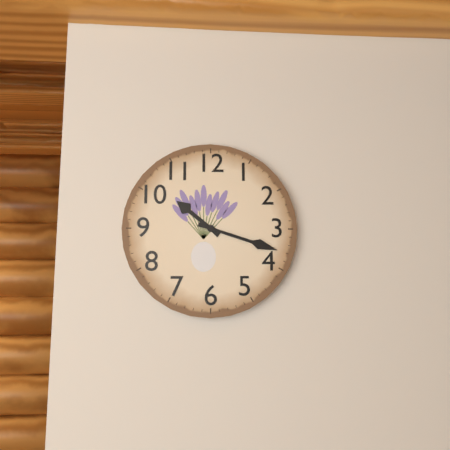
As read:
h=10 m=18
